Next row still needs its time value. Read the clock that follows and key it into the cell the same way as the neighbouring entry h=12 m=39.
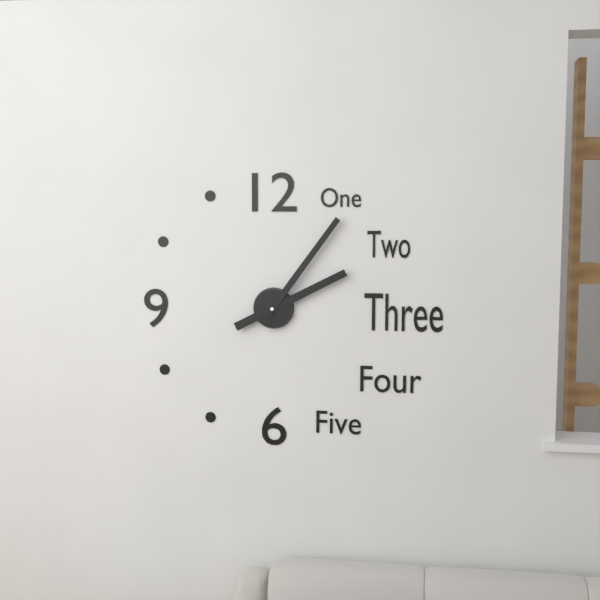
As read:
h=2 m=6
